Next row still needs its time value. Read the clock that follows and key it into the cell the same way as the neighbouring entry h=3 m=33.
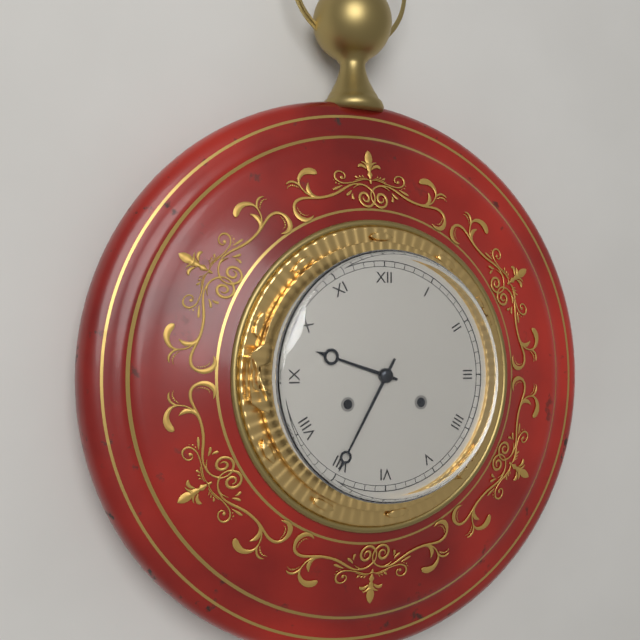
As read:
h=9 m=35
